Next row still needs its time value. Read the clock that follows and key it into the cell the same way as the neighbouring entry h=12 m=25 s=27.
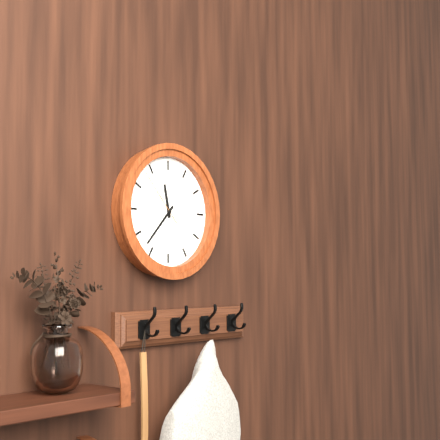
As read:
h=11 m=37 s=53
